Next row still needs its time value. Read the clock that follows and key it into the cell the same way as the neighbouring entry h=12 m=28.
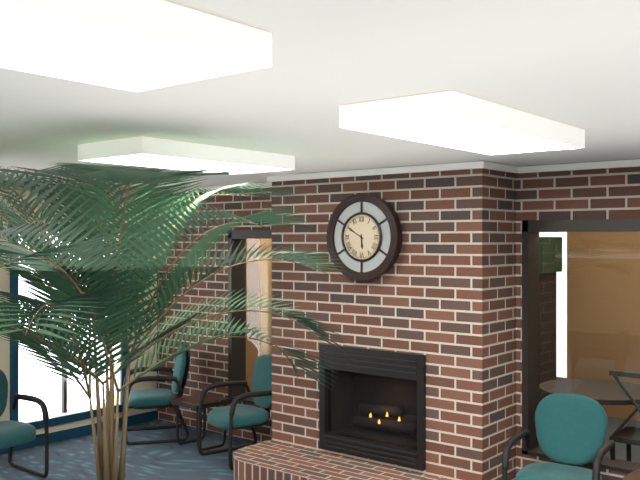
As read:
h=5 m=50
